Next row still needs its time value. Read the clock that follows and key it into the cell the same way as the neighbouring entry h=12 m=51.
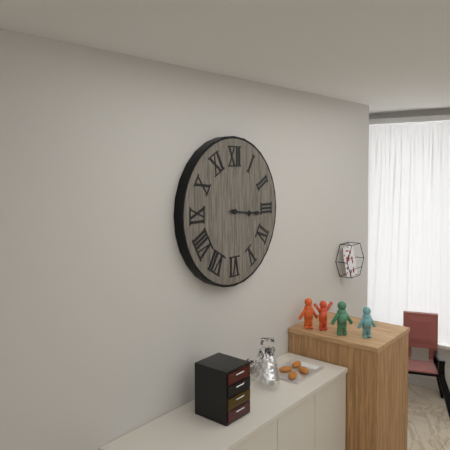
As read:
h=3 m=16
